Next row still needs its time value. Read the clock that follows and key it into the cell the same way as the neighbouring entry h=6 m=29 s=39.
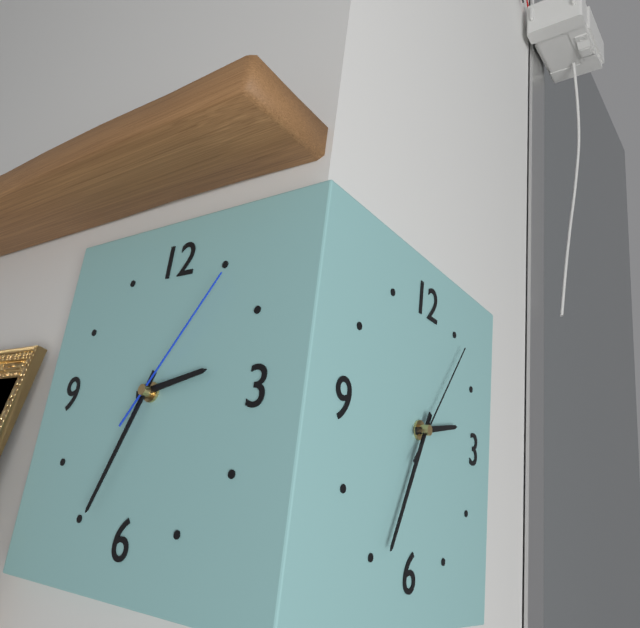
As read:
h=2 m=34 s=6
